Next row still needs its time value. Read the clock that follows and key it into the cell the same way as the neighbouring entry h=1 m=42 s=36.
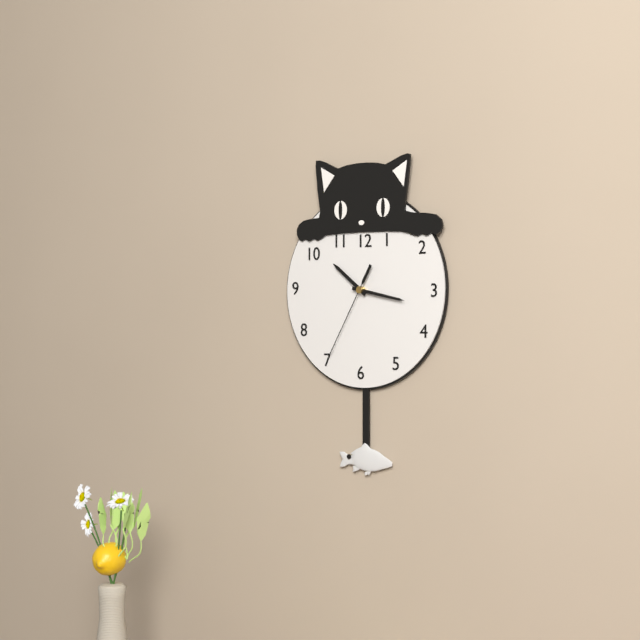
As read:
h=10 m=17 s=35
